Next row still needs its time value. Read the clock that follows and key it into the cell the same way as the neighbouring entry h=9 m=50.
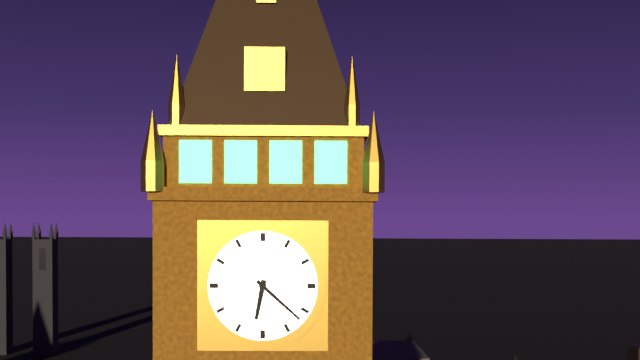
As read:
h=6 m=22
